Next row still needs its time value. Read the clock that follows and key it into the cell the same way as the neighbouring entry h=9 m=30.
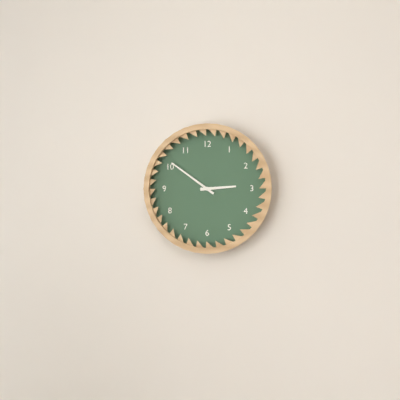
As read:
h=2 m=51
